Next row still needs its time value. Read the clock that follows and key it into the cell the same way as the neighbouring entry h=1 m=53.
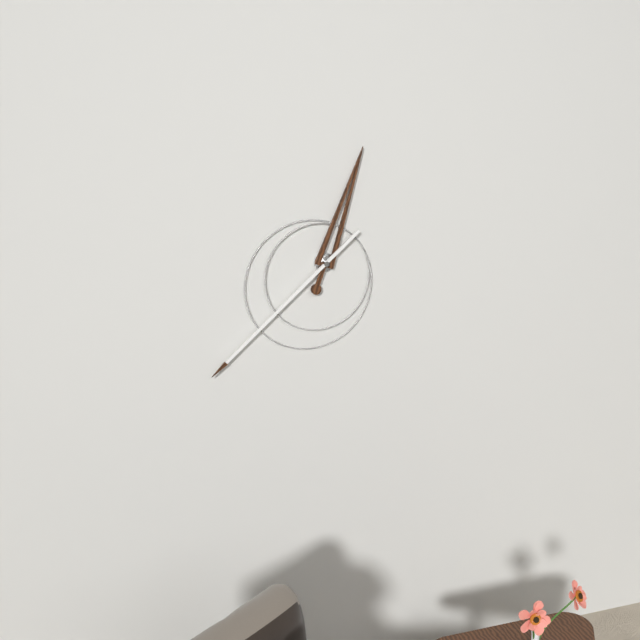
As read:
h=12 m=38
